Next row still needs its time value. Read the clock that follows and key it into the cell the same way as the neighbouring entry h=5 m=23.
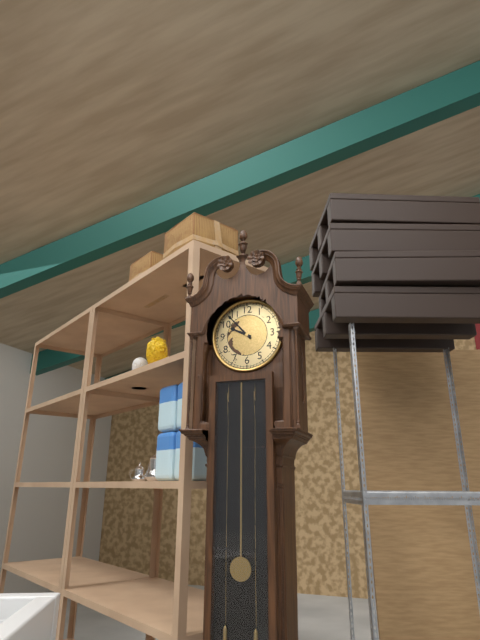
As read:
h=9 m=53
